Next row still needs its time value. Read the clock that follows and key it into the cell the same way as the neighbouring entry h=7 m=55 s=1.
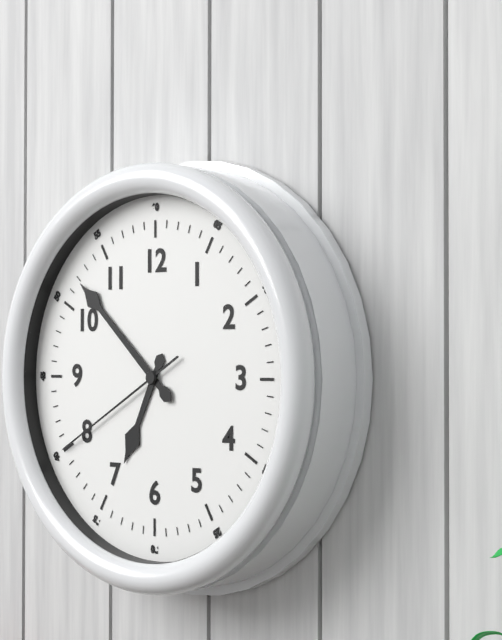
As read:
h=6 m=52 s=40
